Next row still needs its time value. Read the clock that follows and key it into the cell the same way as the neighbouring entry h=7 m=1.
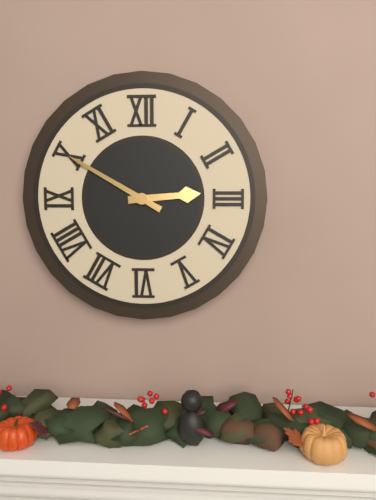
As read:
h=2 m=50
